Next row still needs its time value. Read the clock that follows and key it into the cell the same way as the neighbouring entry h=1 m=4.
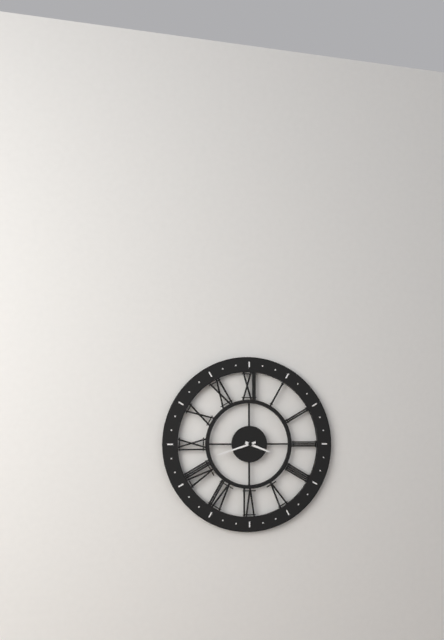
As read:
h=3 m=42
